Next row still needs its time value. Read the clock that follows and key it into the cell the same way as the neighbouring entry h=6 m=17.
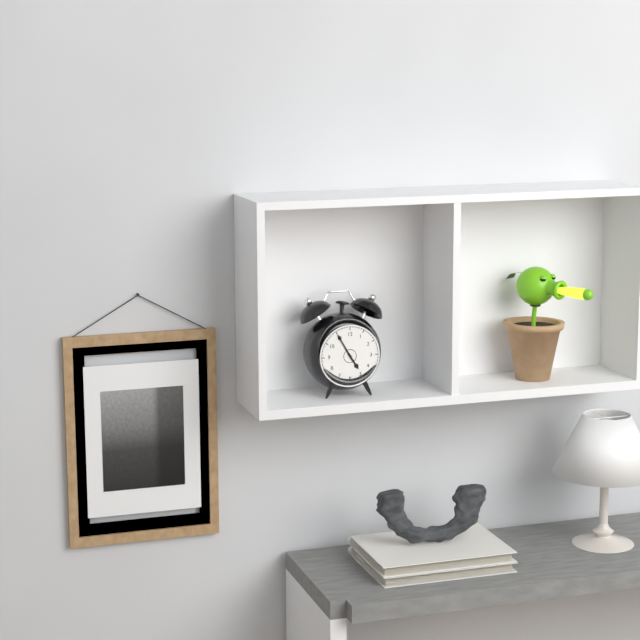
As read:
h=4 m=55
